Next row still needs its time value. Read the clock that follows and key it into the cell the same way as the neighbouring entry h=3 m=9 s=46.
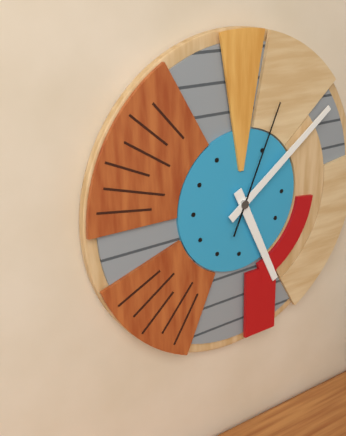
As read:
h=5 m=9 s=4
